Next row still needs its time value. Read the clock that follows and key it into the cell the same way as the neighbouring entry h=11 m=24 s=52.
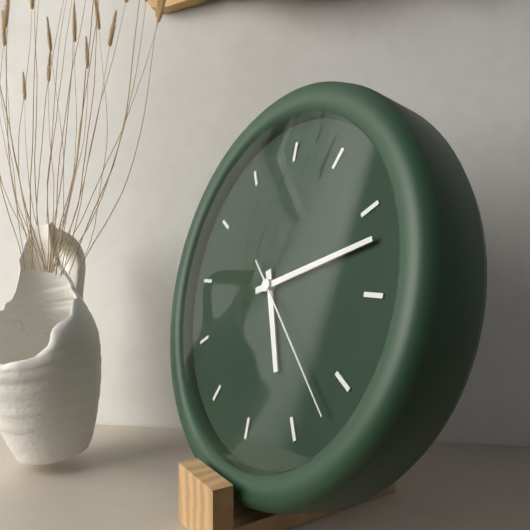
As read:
h=5 m=12 s=22
